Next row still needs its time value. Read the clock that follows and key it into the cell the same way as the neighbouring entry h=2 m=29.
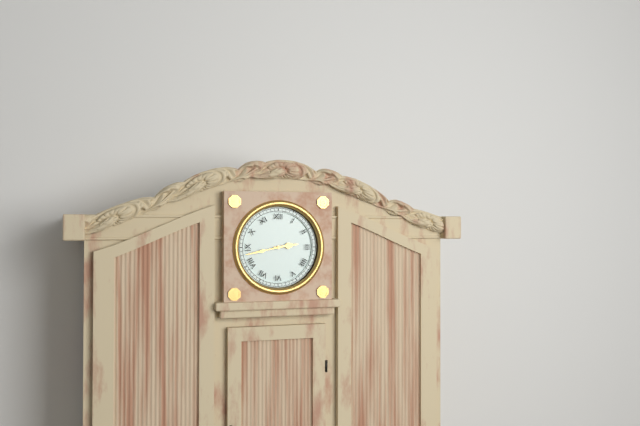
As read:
h=2 m=43
